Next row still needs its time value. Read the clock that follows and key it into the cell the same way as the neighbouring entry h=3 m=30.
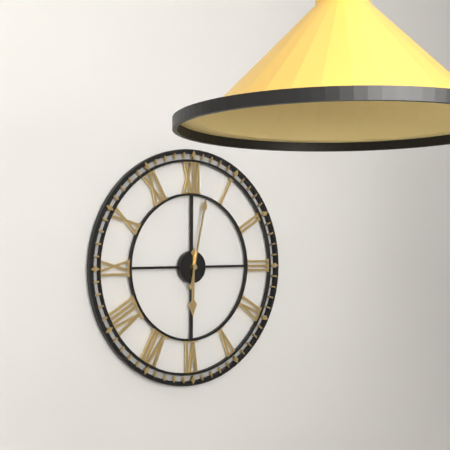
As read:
h=6 m=2
